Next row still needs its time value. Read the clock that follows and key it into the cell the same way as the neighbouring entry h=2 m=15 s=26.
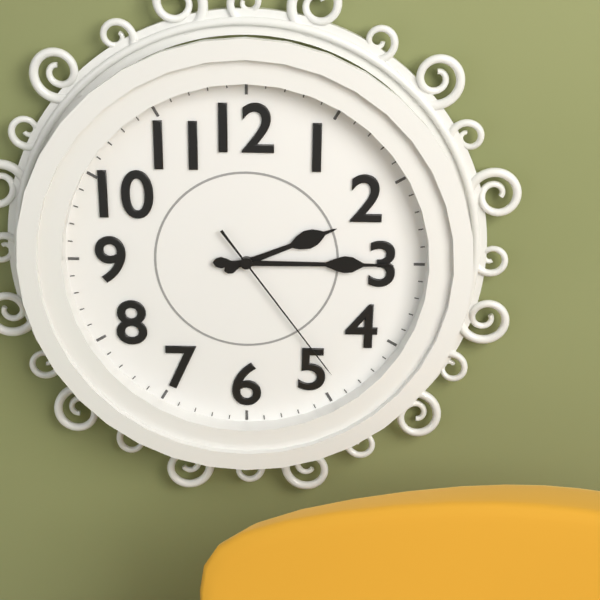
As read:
h=2 m=15 s=24
